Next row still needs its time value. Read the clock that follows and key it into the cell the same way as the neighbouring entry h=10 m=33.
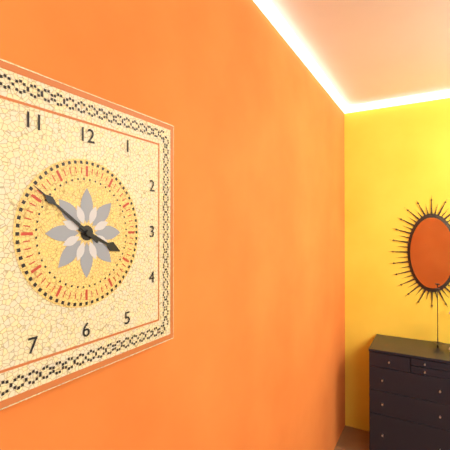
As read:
h=3 m=51
